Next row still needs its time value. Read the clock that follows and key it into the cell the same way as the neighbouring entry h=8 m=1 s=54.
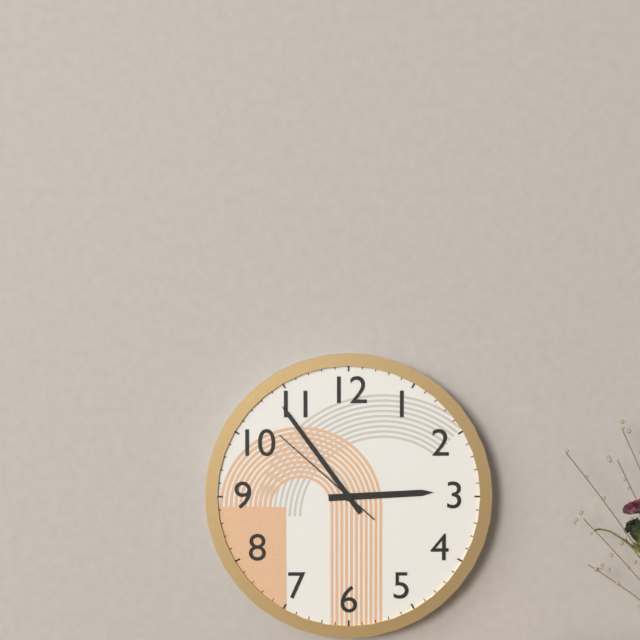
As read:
h=2 m=54 s=52
